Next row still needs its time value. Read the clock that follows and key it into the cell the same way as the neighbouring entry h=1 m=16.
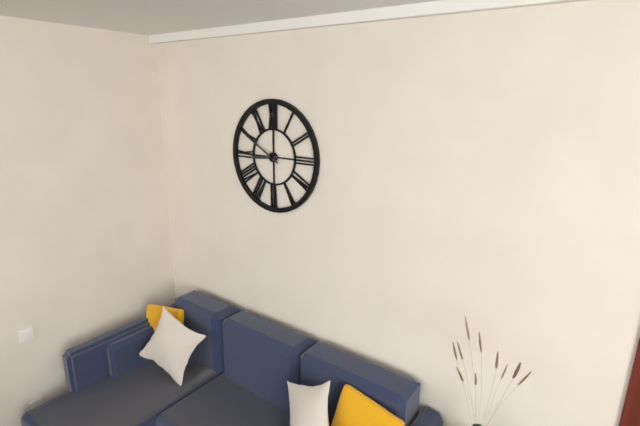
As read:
h=8 m=50
